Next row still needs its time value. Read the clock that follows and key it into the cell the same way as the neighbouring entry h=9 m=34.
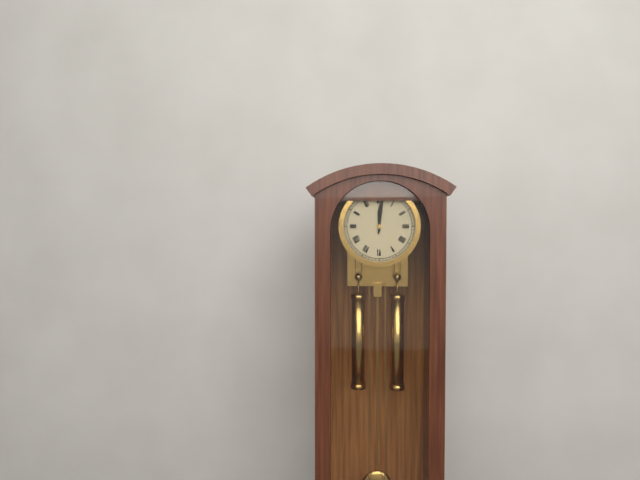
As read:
h=12 m=1
